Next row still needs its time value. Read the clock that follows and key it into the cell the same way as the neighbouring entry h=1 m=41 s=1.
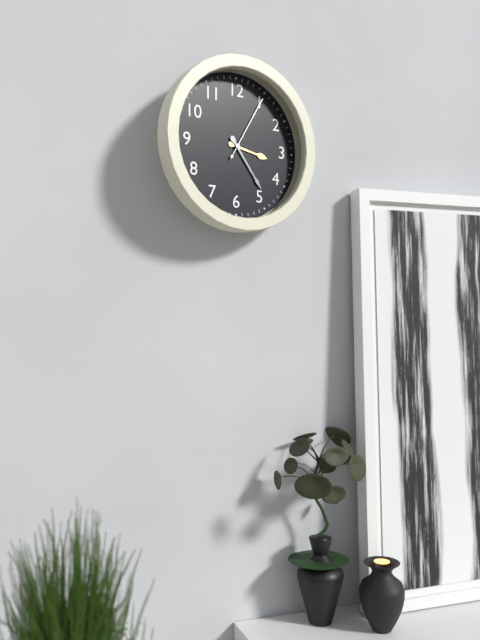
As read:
h=3 m=24 s=5
